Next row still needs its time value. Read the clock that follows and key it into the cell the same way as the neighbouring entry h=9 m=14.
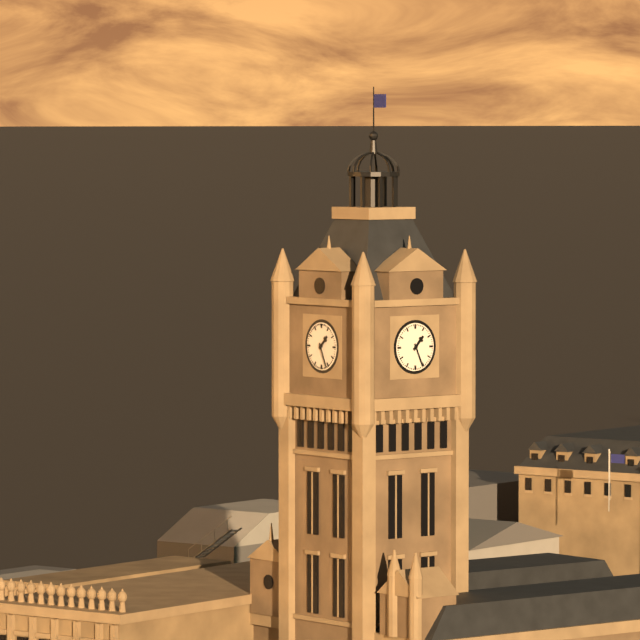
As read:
h=1 m=26
